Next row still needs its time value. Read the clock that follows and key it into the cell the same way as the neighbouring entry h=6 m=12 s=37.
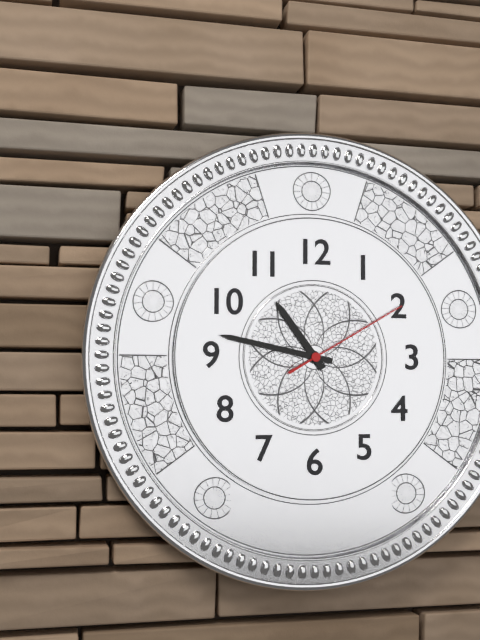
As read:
h=10 m=47 s=10
